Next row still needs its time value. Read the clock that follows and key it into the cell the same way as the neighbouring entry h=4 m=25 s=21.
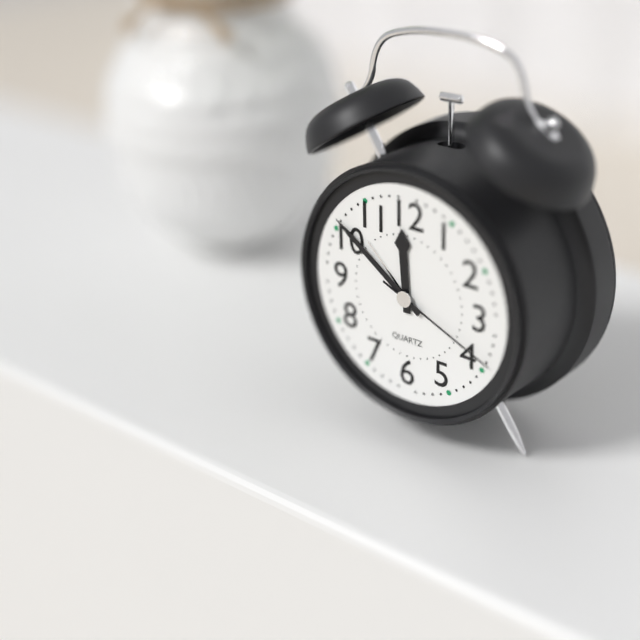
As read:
h=11 m=51 s=19
